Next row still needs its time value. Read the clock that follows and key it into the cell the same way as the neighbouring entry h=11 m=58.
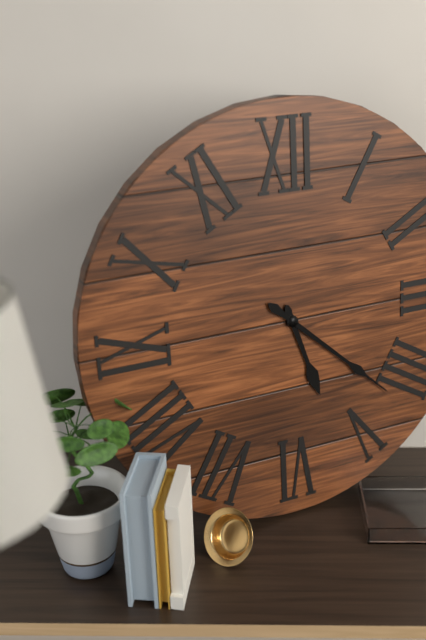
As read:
h=5 m=22
